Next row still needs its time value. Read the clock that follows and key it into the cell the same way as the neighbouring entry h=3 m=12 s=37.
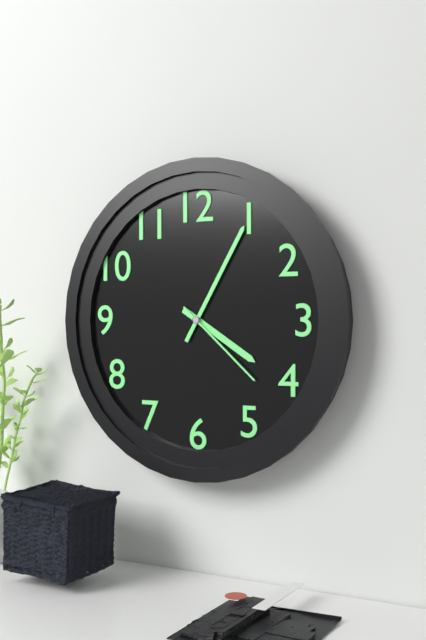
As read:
h=4 m=5 s=22
